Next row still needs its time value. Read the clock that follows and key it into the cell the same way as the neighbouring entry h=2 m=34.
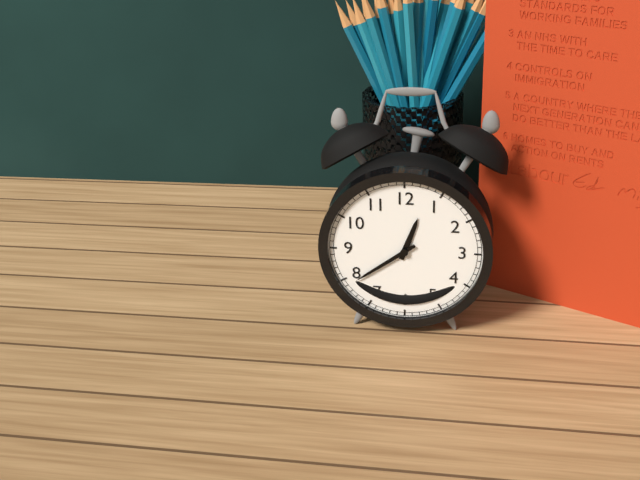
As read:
h=12 m=39
